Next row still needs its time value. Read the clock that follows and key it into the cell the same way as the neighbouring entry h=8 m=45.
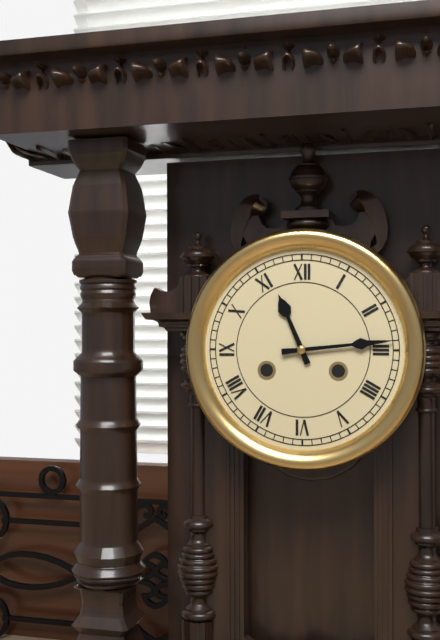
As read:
h=11 m=14
